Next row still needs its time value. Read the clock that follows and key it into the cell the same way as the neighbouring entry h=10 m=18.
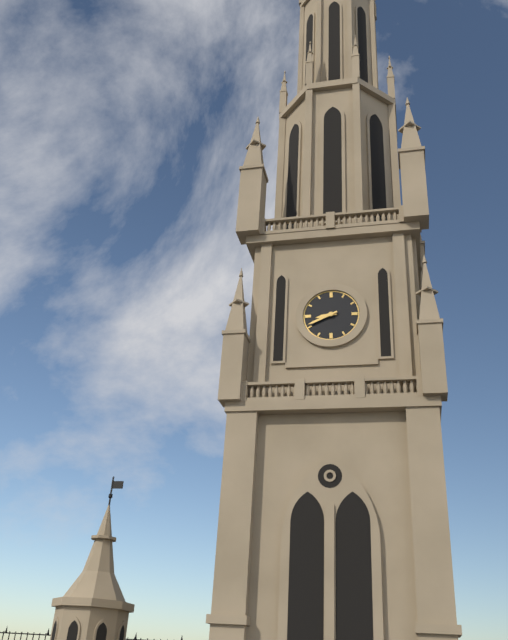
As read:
h=8 m=41
